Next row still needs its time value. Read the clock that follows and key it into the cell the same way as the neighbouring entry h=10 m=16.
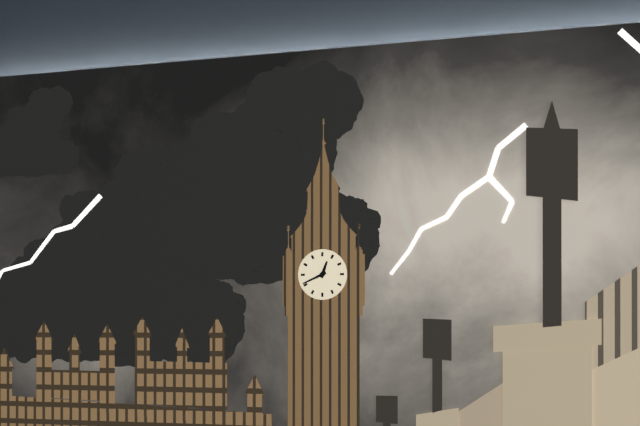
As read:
h=12 m=41
